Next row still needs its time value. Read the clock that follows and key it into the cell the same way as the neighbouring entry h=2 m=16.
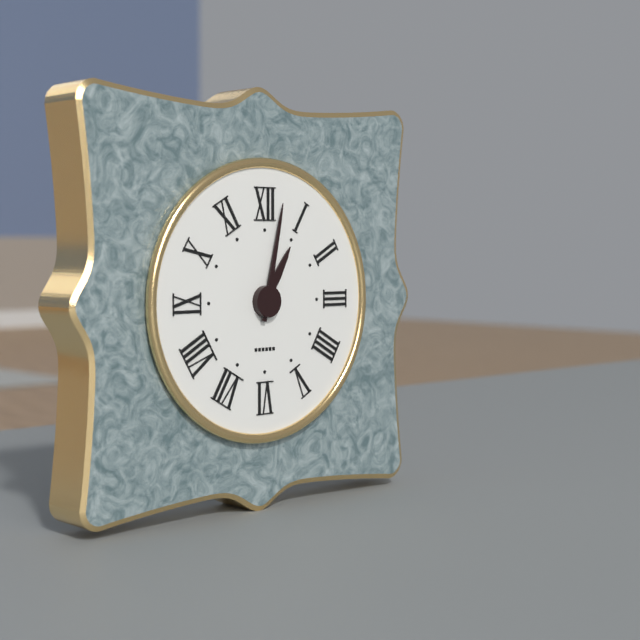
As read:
h=1 m=2
